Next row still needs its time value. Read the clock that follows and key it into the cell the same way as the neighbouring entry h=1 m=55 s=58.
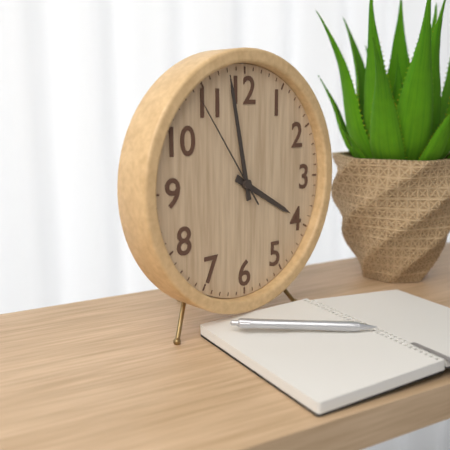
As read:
h=3 m=58 s=54
